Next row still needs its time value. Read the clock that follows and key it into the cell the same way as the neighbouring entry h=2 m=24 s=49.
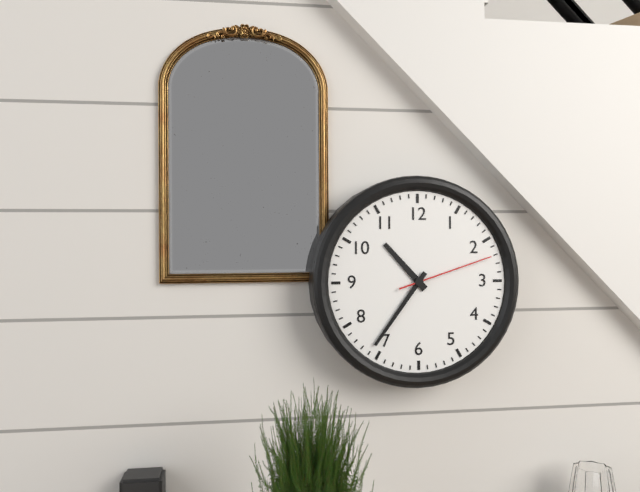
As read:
h=10 m=36 s=12
